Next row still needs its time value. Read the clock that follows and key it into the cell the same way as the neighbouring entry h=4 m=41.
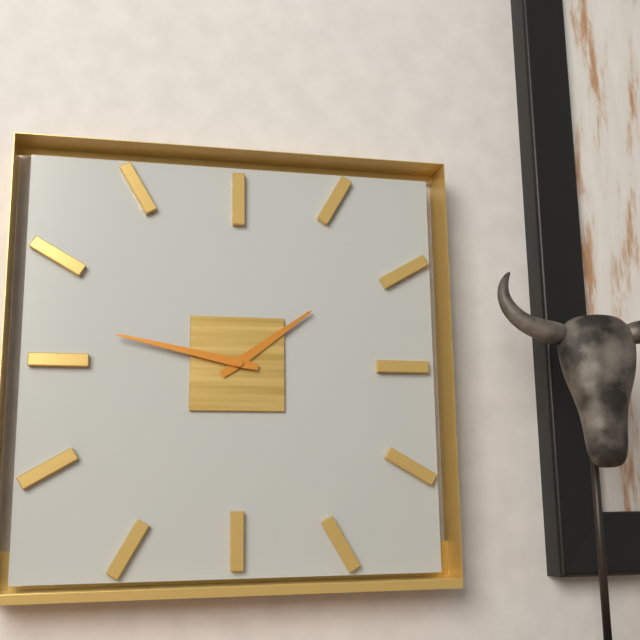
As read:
h=1 m=47
